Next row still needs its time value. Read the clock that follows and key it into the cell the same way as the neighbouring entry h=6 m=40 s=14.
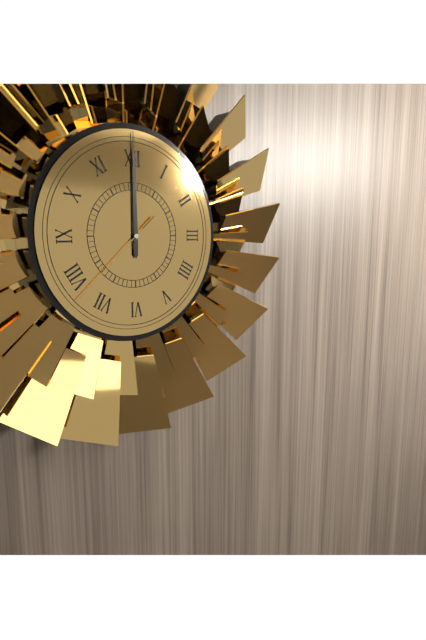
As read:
h=12 m=0 s=38
